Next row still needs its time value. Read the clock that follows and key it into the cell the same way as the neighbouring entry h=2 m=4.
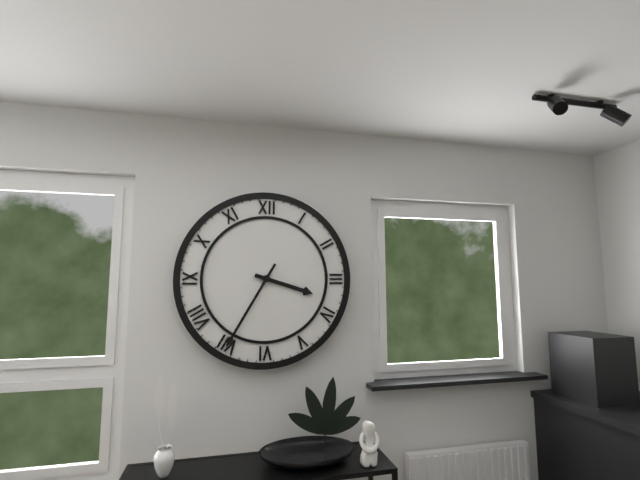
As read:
h=3 m=35
